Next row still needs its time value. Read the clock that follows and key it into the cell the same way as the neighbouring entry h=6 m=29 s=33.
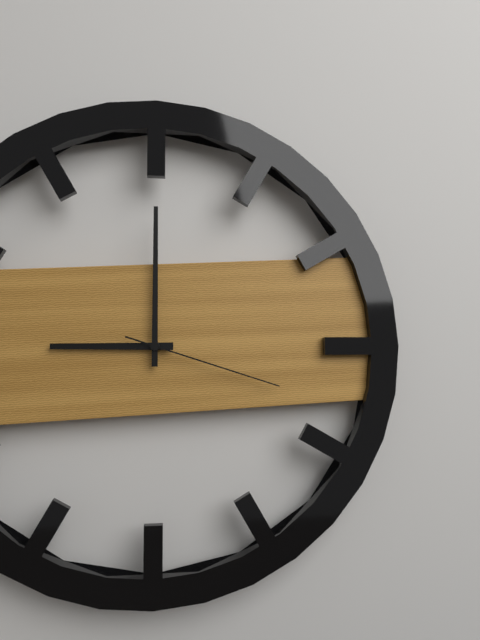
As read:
h=9 m=0 s=18
